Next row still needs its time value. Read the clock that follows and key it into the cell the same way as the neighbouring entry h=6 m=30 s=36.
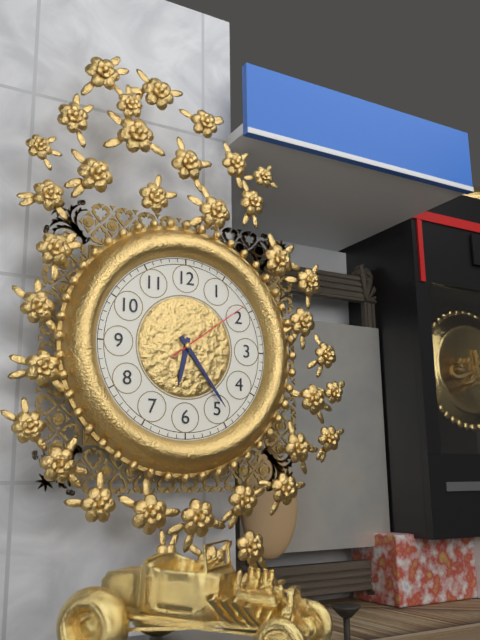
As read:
h=6 m=24 s=9
